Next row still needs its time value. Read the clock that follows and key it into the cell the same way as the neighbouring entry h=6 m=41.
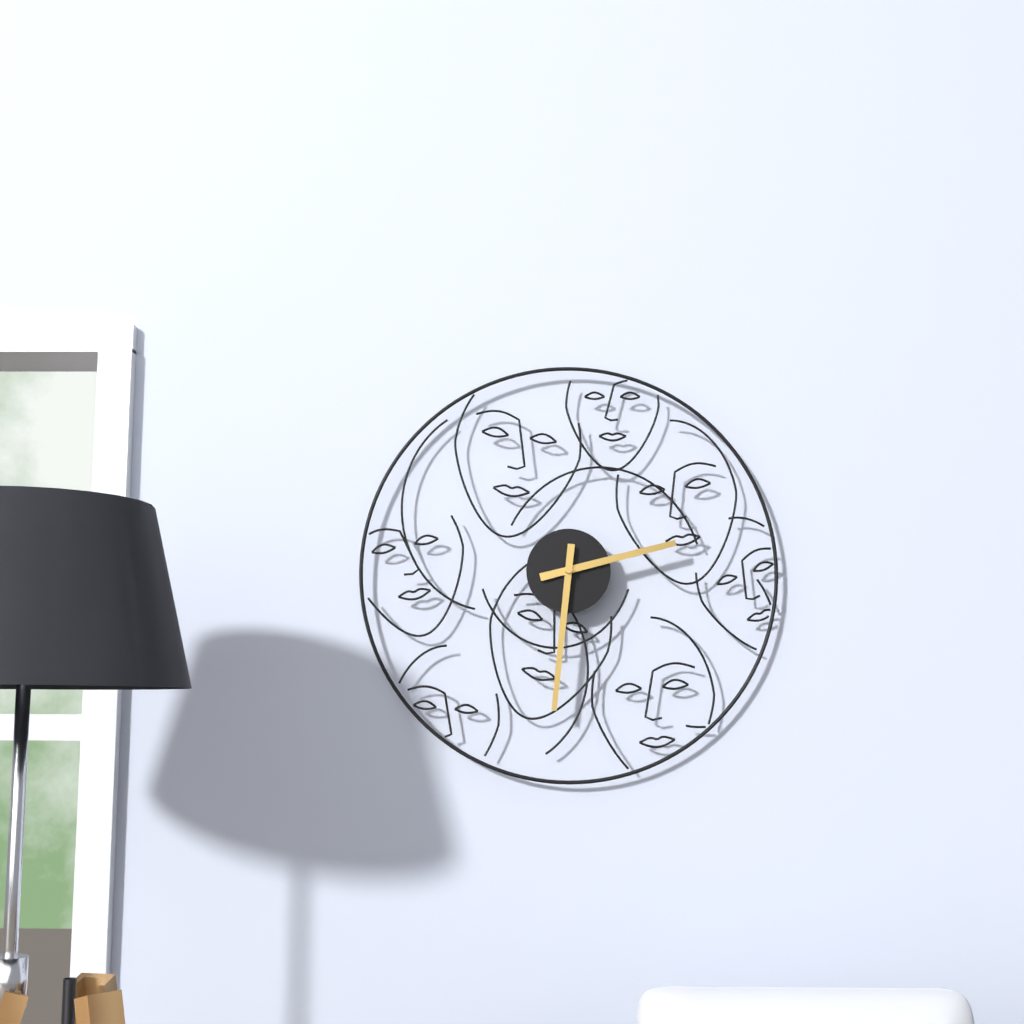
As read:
h=2 m=31
